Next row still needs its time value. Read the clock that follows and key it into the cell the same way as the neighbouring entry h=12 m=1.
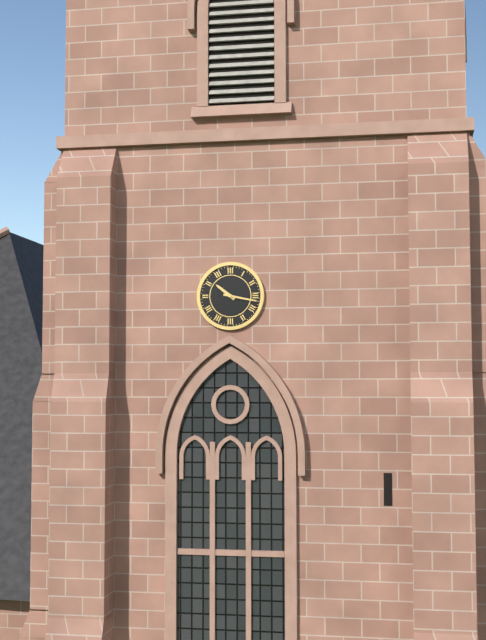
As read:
h=10 m=17
